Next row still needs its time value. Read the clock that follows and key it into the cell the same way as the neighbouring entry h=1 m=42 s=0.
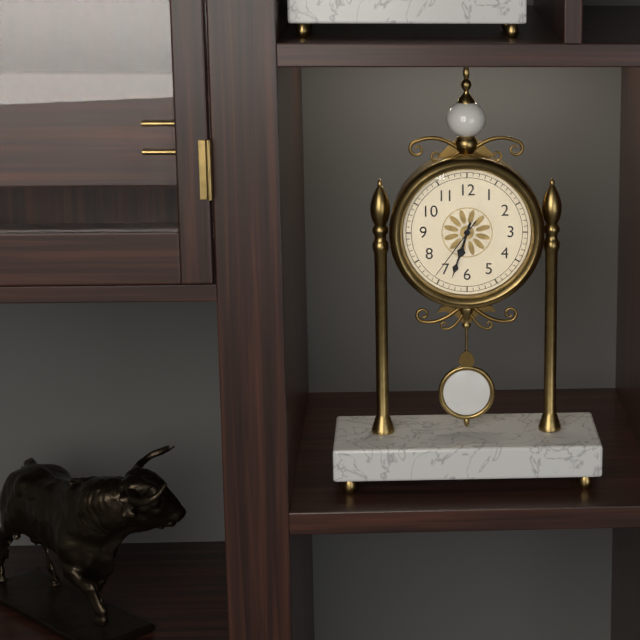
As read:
h=6 m=33 s=36
